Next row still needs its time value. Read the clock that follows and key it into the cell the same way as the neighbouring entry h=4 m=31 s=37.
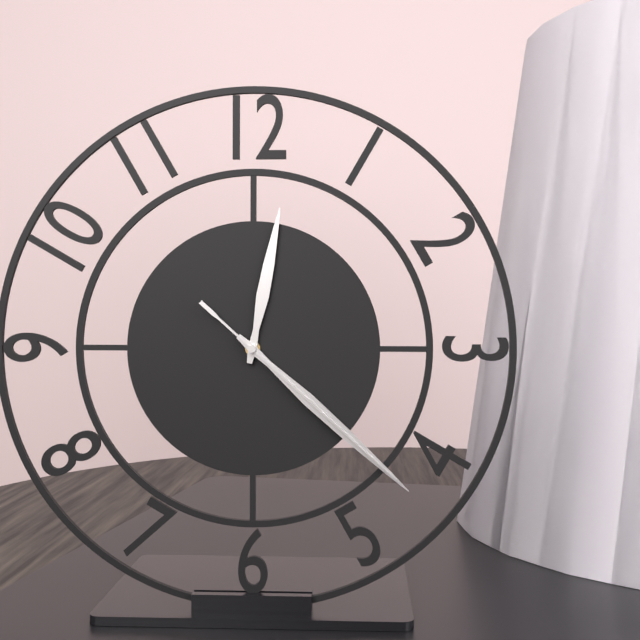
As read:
h=12 m=22 s=22
